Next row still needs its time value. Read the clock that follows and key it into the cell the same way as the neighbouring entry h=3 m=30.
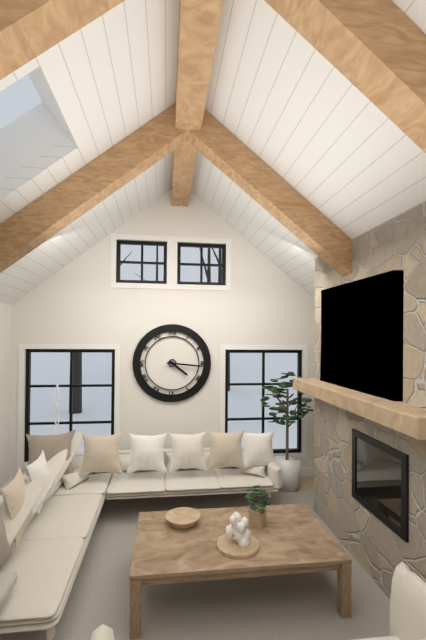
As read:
h=4 m=16
